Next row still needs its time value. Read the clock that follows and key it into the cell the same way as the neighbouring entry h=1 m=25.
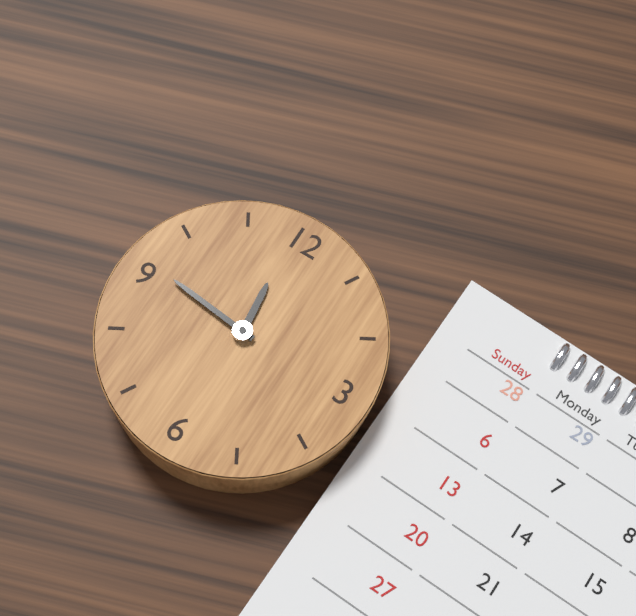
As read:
h=11 m=46
